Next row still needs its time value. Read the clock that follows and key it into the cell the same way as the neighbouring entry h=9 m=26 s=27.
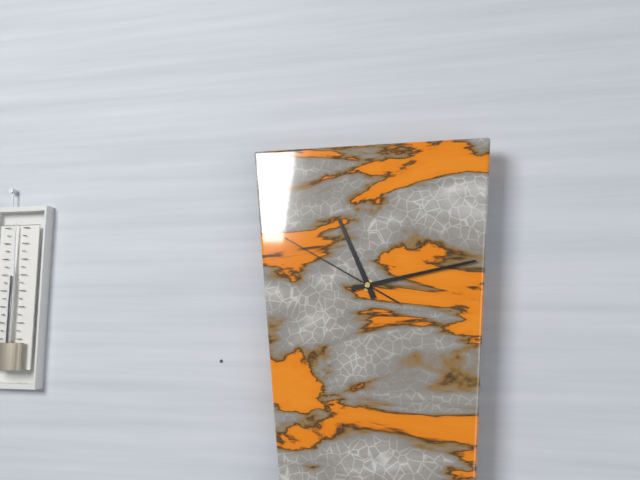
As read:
h=11 m=13 s=50
